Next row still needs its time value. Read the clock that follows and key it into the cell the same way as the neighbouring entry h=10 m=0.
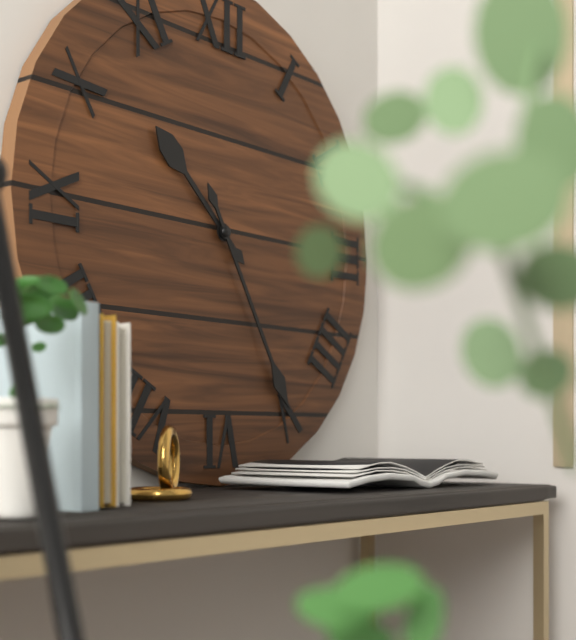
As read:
h=10 m=25
